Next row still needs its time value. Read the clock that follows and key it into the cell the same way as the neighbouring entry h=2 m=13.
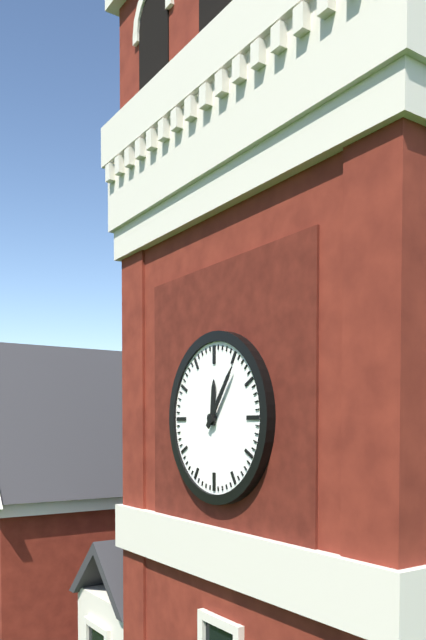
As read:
h=12 m=6
